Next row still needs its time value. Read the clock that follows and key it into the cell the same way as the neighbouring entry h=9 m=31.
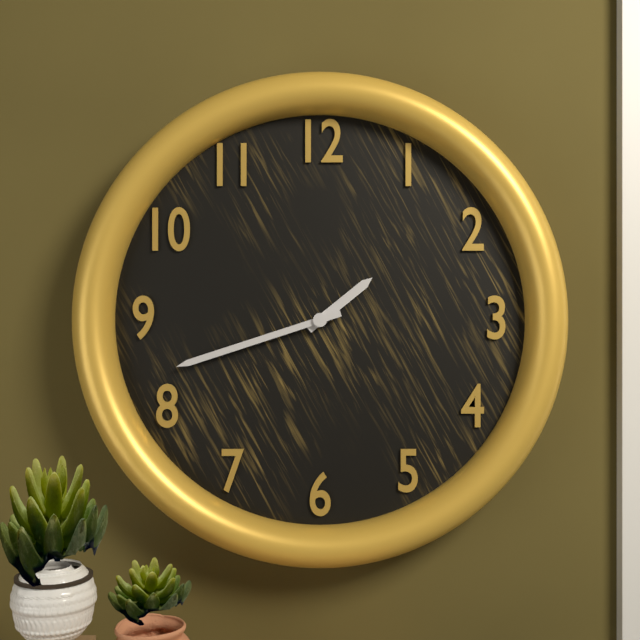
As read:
h=1 m=42
